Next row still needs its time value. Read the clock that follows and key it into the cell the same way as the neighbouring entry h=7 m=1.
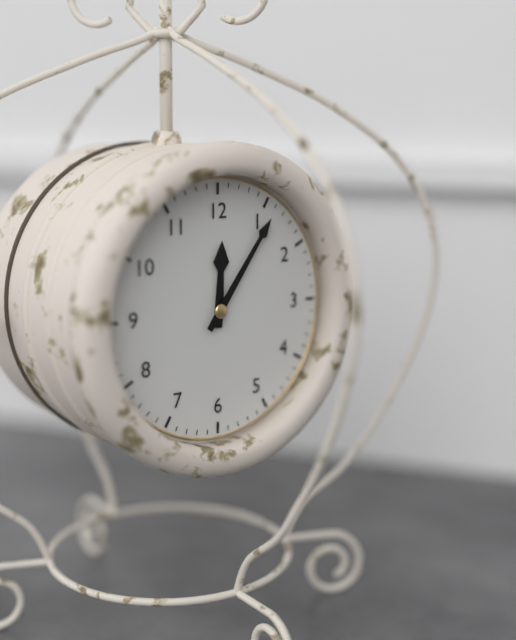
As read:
h=12 m=6
